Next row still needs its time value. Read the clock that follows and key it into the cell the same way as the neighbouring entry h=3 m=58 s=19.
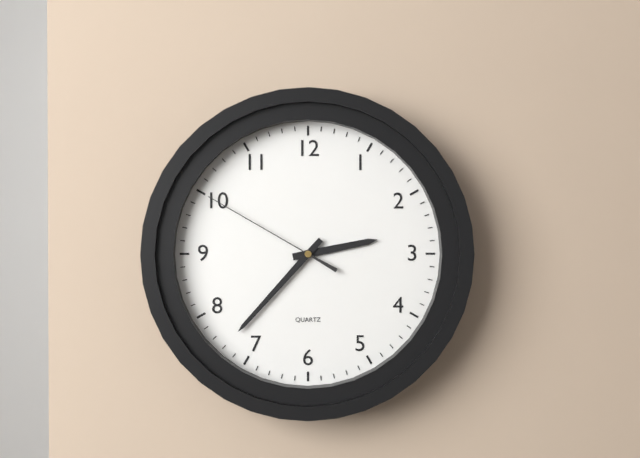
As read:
h=2 m=37 s=50
